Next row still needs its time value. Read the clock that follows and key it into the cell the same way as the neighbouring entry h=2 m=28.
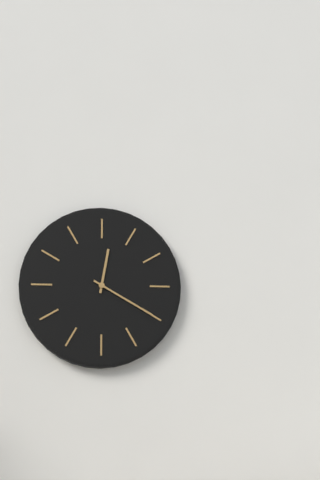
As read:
h=12 m=20
